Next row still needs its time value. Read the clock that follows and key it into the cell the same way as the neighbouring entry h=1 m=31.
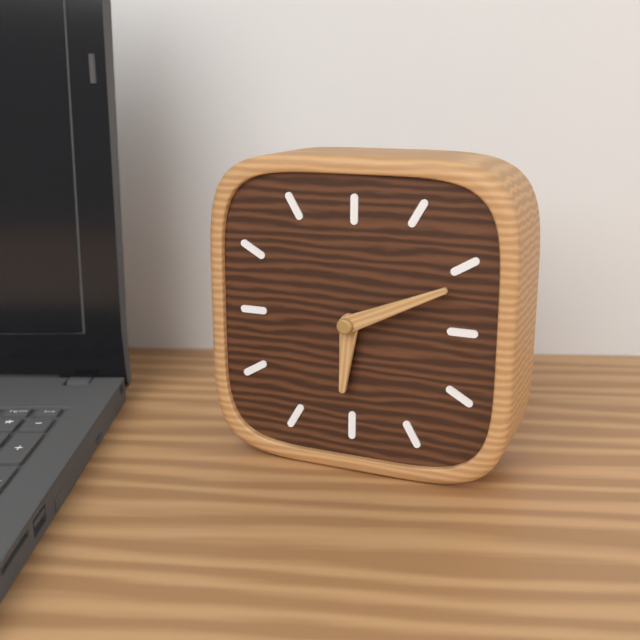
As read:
h=6 m=11
